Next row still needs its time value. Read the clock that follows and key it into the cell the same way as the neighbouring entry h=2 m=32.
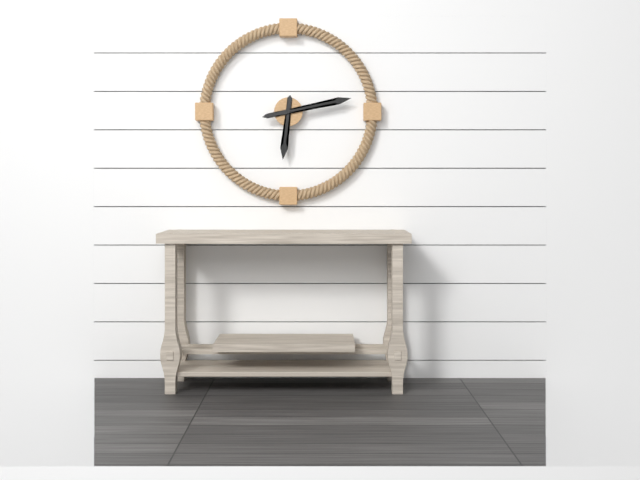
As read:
h=6 m=13
